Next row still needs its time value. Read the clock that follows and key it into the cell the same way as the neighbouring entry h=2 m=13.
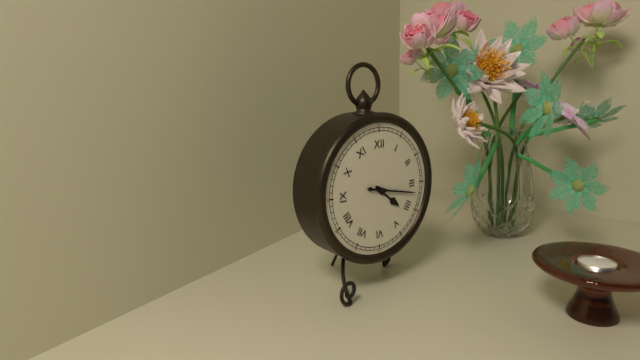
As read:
h=4 m=17
